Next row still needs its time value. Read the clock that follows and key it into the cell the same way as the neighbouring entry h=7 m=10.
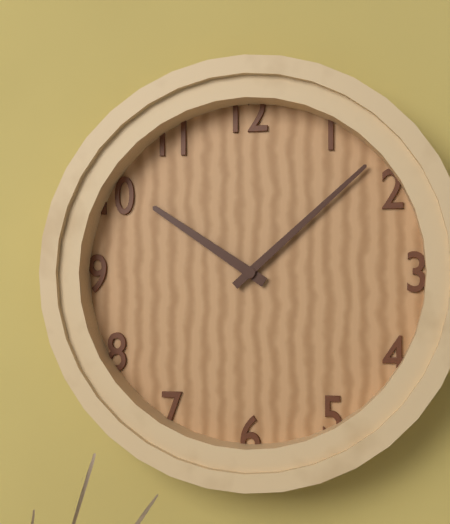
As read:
h=10 m=8
